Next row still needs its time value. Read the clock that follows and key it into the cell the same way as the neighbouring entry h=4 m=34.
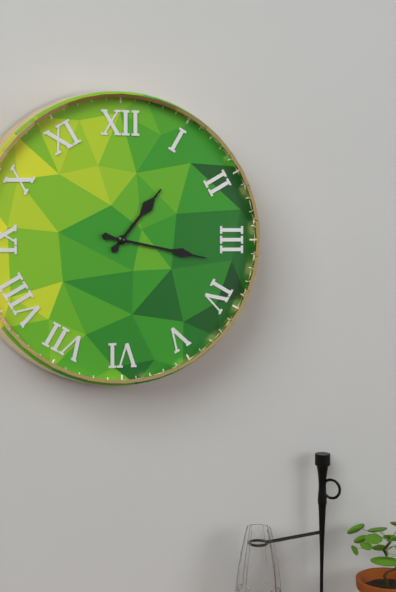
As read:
h=1 m=17
